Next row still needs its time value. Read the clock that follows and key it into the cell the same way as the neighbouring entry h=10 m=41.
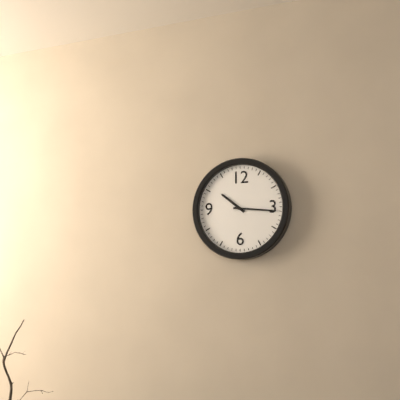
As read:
h=10 m=16
